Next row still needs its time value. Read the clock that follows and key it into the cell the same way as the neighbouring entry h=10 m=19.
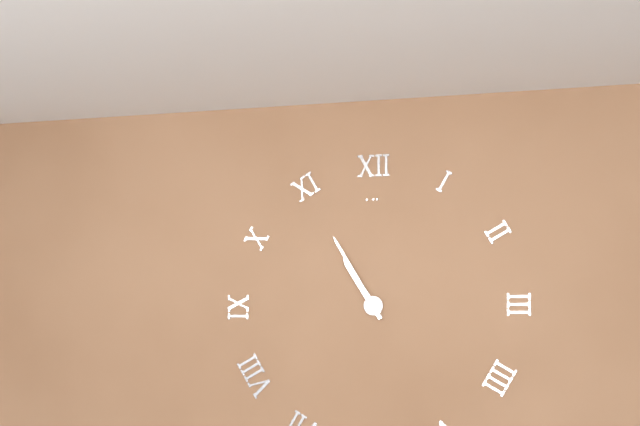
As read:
h=10 m=55
